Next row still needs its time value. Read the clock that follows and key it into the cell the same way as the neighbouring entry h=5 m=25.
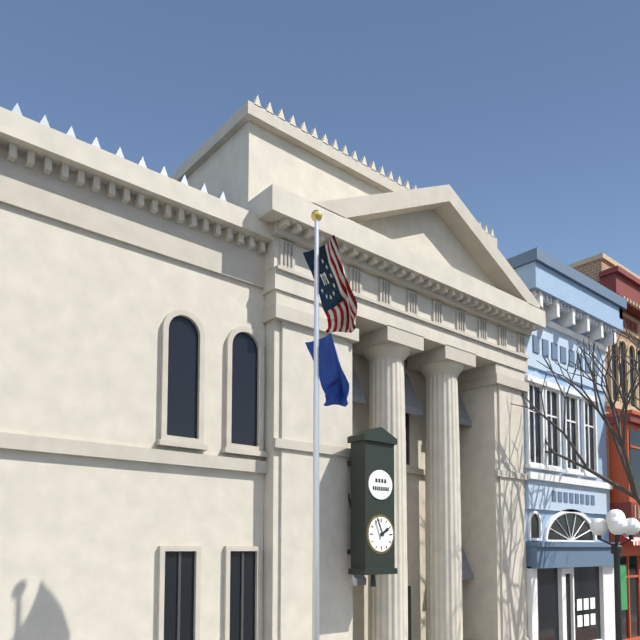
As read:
h=1 m=56
